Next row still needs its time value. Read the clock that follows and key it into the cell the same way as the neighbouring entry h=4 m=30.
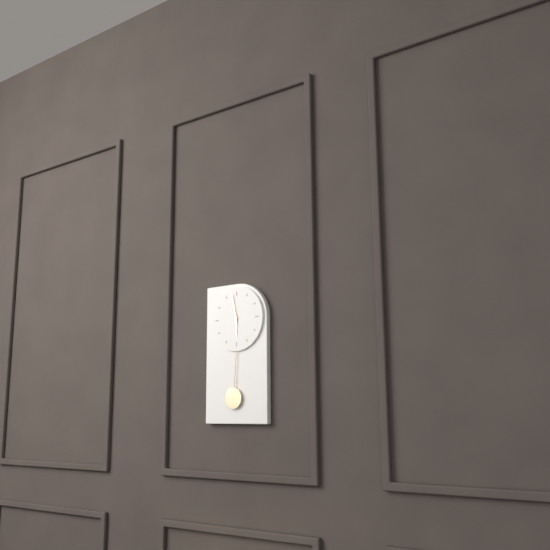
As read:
h=5 m=58
